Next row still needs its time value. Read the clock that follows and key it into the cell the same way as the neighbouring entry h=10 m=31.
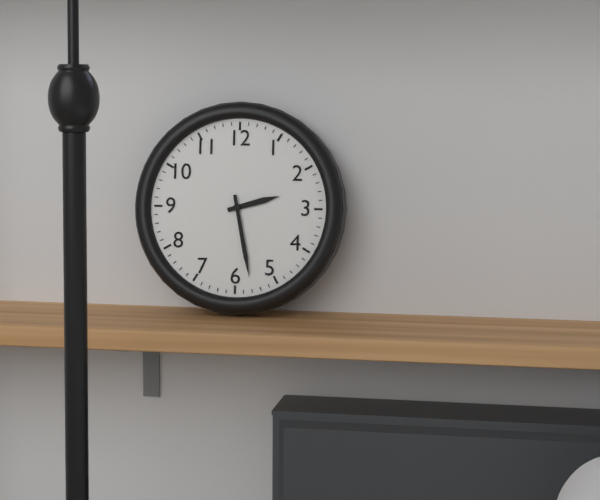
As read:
h=2 m=28
